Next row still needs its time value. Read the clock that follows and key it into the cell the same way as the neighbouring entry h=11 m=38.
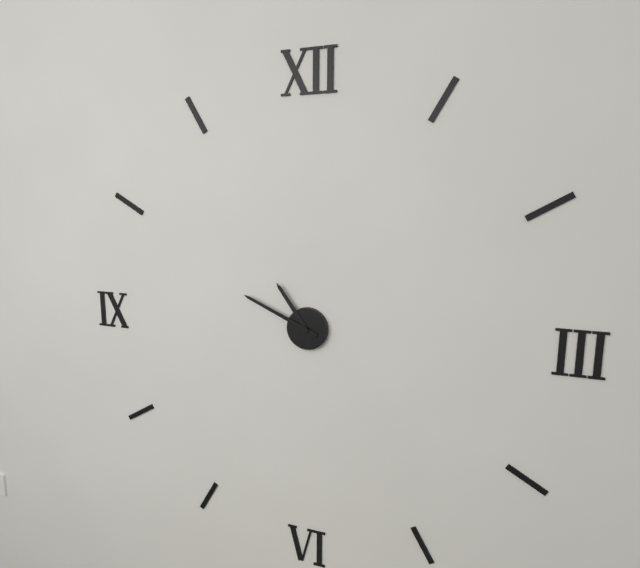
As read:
h=10 m=49
